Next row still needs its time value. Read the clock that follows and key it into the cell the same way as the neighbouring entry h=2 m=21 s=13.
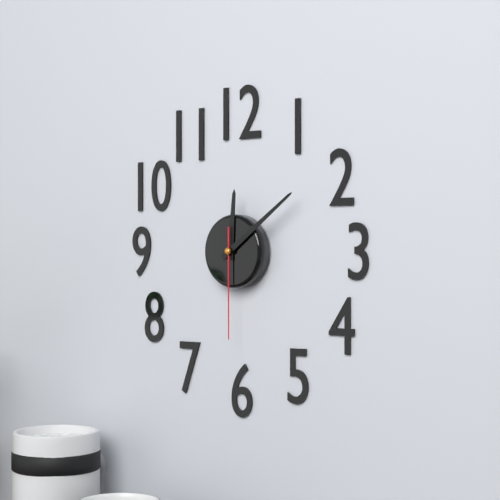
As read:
h=12 m=9 s=30
